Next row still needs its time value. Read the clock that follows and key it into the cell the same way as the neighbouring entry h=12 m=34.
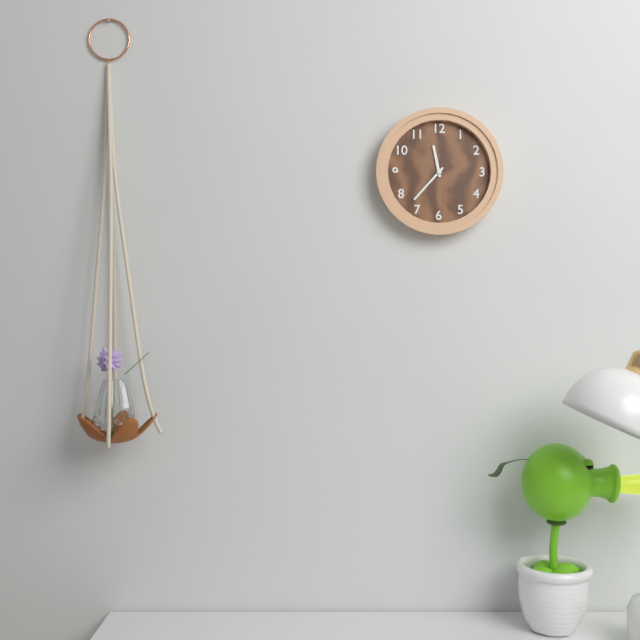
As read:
h=11 m=37
